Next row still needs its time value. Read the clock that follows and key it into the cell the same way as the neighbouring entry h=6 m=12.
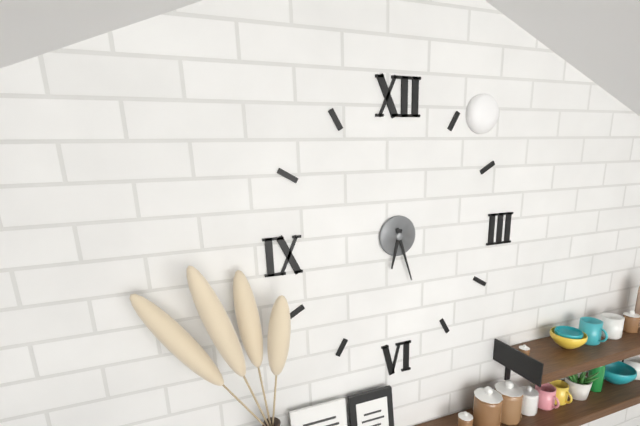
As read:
h=6 m=27
